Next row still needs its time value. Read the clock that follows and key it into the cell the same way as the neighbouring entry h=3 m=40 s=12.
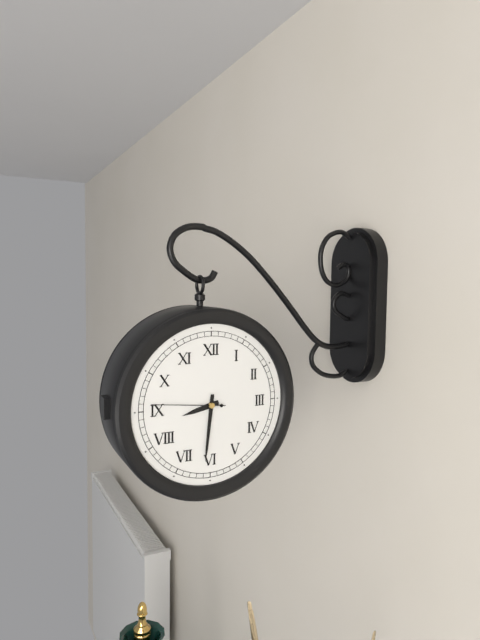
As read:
h=8 m=31 s=46
